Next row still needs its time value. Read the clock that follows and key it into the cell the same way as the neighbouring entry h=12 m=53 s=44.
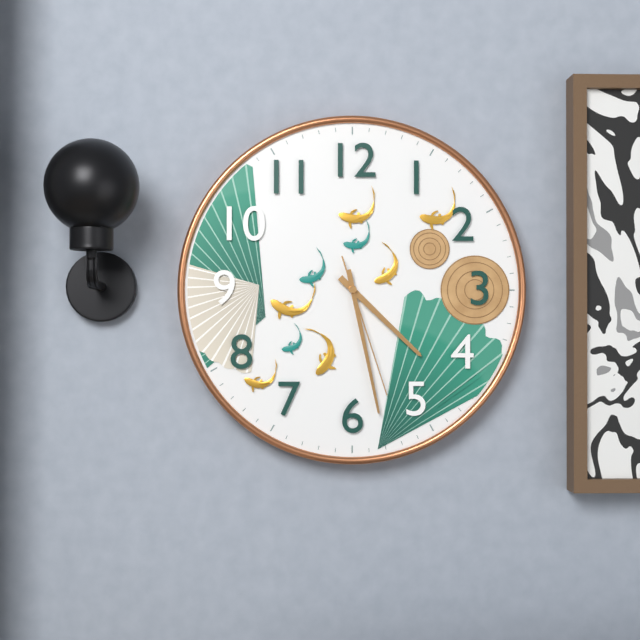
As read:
h=4 m=28 s=27
